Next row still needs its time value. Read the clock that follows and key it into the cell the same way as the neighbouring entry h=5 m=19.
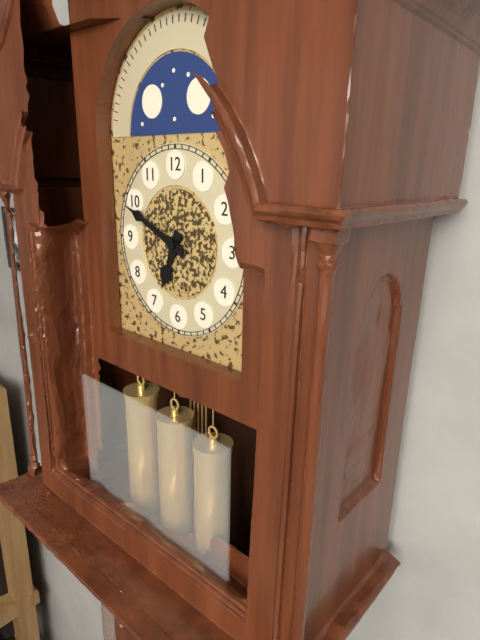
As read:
h=6 m=49
